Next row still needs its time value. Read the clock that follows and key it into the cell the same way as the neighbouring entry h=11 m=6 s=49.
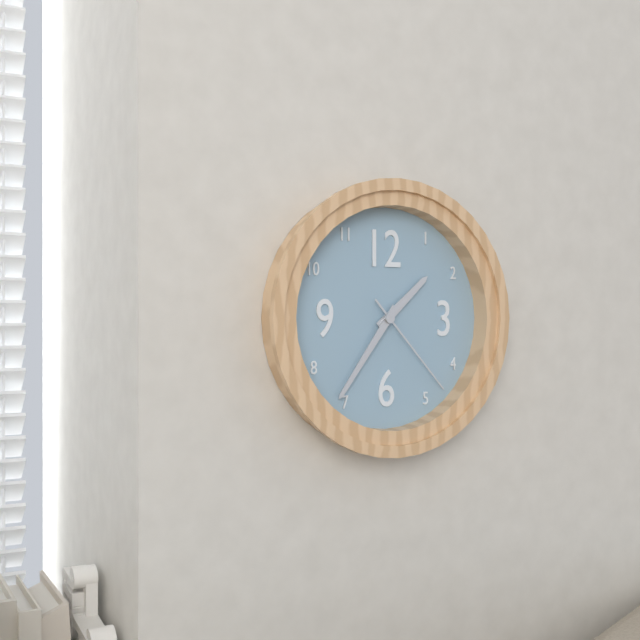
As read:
h=1 m=36 s=23
